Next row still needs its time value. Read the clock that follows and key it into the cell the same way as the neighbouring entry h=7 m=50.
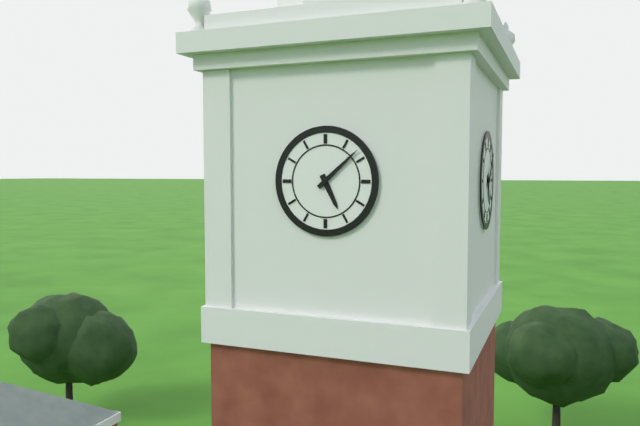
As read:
h=5 m=8
